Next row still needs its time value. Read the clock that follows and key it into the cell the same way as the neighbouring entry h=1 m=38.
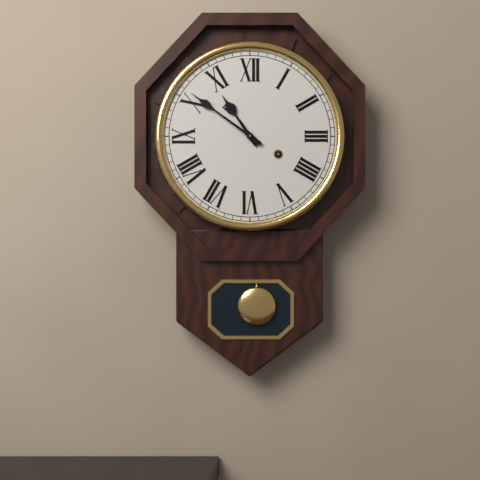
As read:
h=10 m=51
